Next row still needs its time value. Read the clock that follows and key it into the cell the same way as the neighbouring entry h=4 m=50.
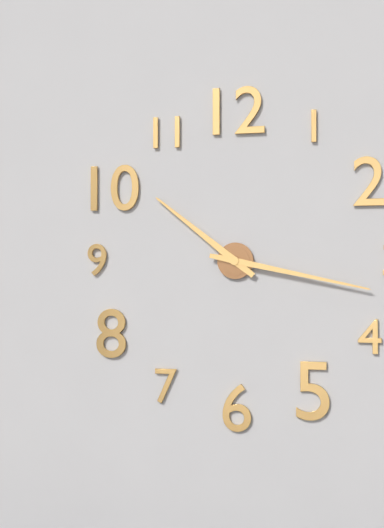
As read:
h=10 m=17
